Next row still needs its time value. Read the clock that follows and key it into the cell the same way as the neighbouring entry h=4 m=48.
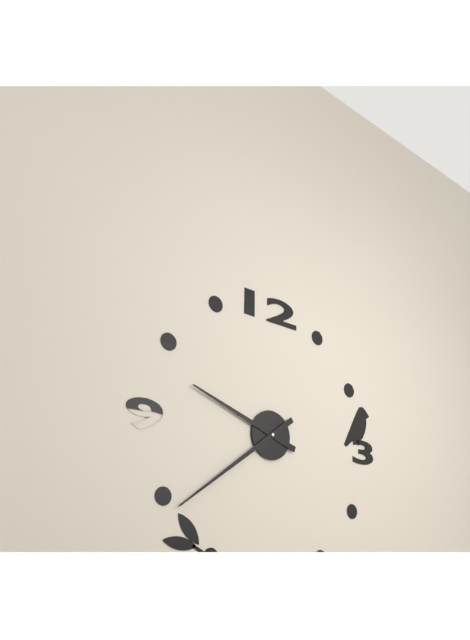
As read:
h=9 m=39
